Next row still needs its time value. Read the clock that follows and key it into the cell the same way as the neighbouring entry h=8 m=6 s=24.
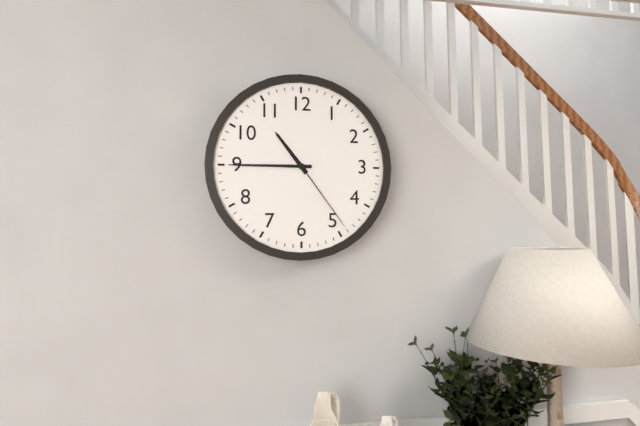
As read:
h=10 m=45 s=24
